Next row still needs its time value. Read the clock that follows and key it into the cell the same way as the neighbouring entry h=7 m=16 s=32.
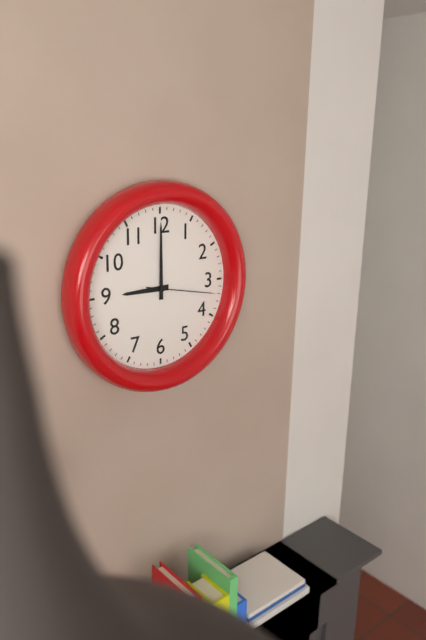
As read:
h=9 m=0 s=17
